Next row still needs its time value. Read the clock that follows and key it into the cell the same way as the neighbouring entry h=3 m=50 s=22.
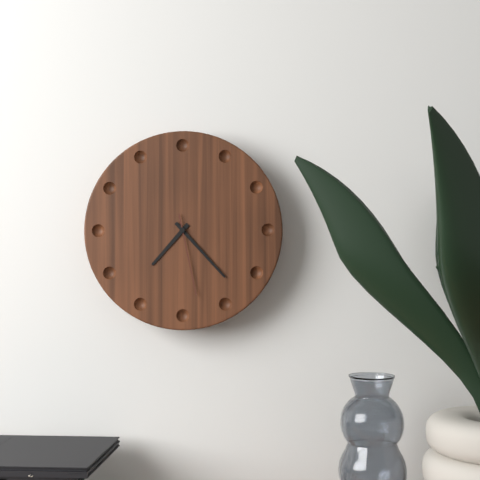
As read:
h=7 m=23 s=28
